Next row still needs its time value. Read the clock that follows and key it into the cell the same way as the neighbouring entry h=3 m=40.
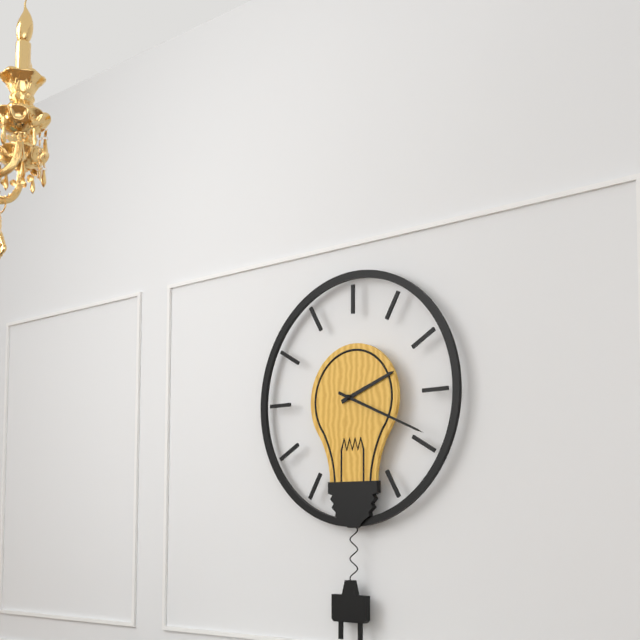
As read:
h=2 m=19
